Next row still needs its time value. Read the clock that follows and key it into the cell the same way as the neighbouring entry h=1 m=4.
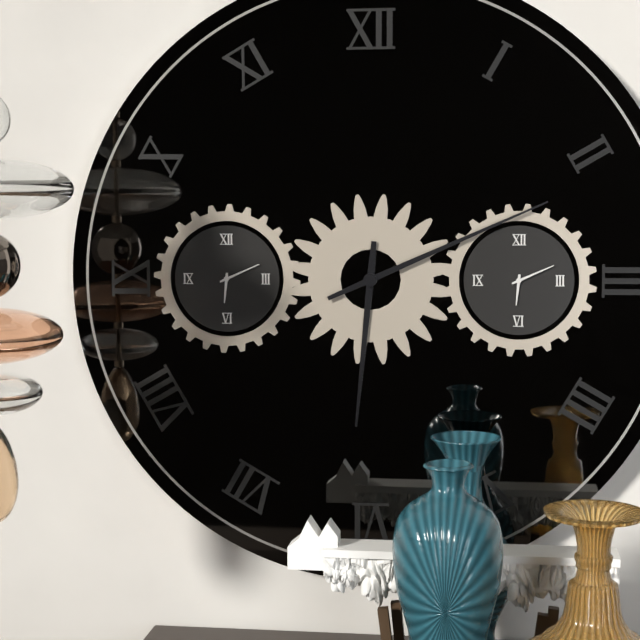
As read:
h=6 m=11
